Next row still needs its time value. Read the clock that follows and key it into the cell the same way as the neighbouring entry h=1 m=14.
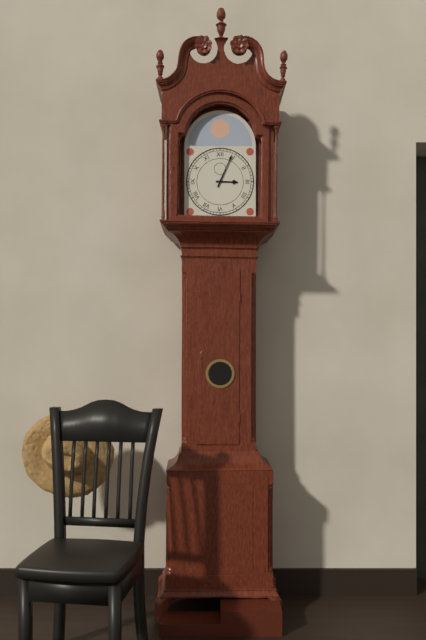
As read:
h=3 m=4
